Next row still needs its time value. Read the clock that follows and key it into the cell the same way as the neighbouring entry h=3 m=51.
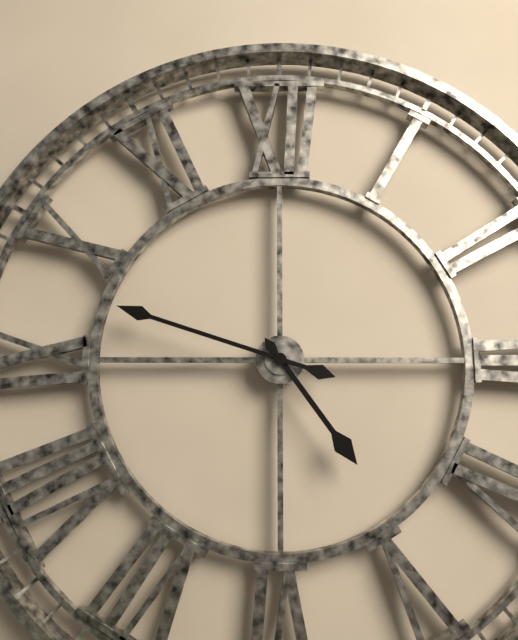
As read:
h=4 m=48
